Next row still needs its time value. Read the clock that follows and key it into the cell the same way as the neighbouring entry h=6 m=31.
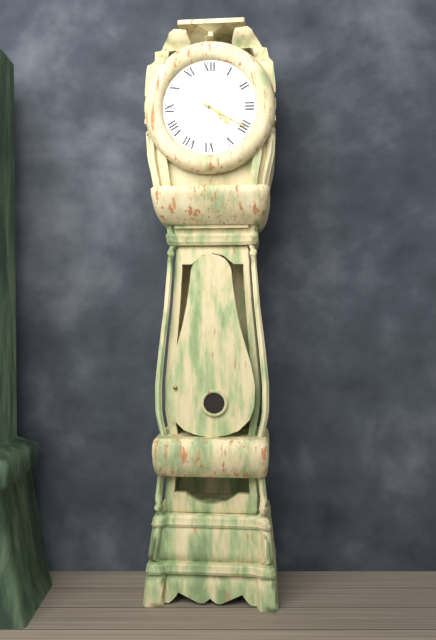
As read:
h=4 m=20
